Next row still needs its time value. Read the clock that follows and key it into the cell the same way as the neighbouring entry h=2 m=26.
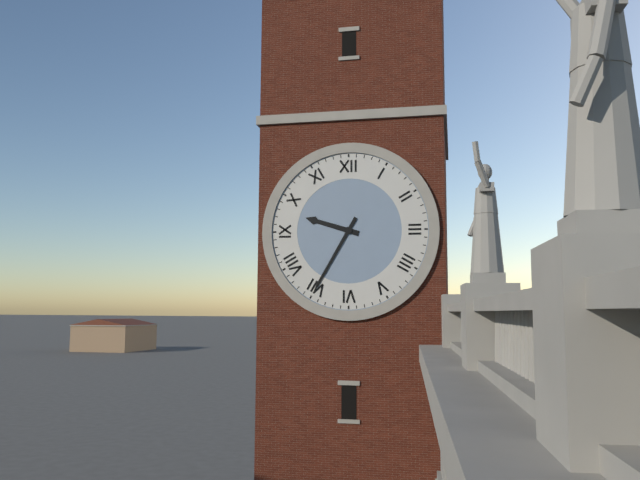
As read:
h=9 m=35
